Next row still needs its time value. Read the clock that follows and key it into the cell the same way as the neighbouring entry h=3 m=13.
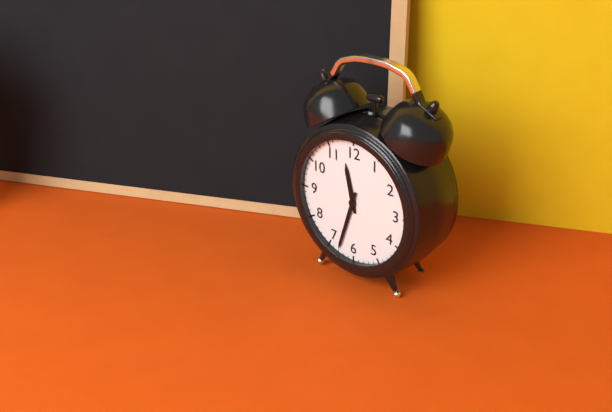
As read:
h=11 m=33
